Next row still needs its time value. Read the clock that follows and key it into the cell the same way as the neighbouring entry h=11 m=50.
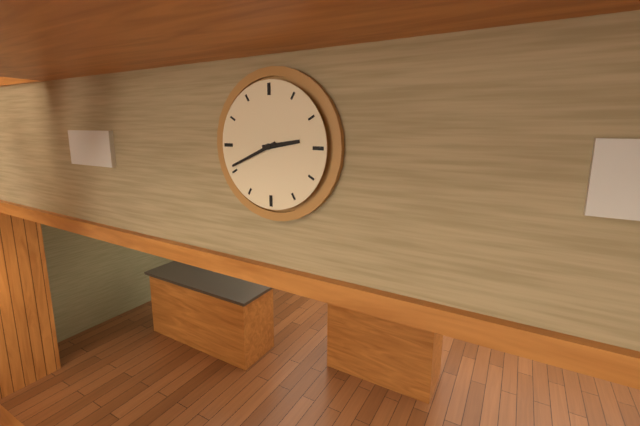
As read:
h=2 m=41
